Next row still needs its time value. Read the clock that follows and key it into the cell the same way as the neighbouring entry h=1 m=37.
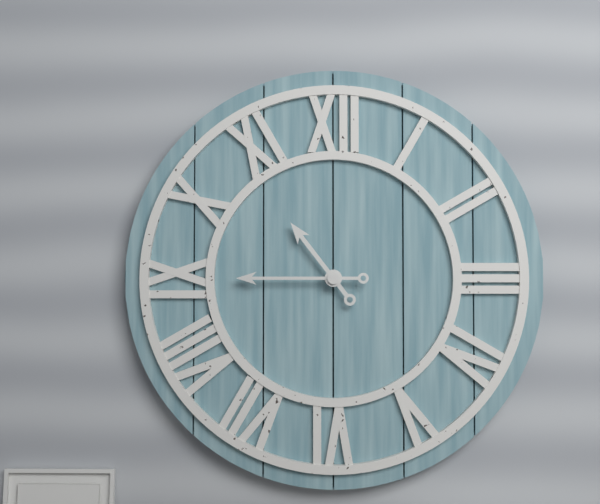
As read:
h=10 m=45
